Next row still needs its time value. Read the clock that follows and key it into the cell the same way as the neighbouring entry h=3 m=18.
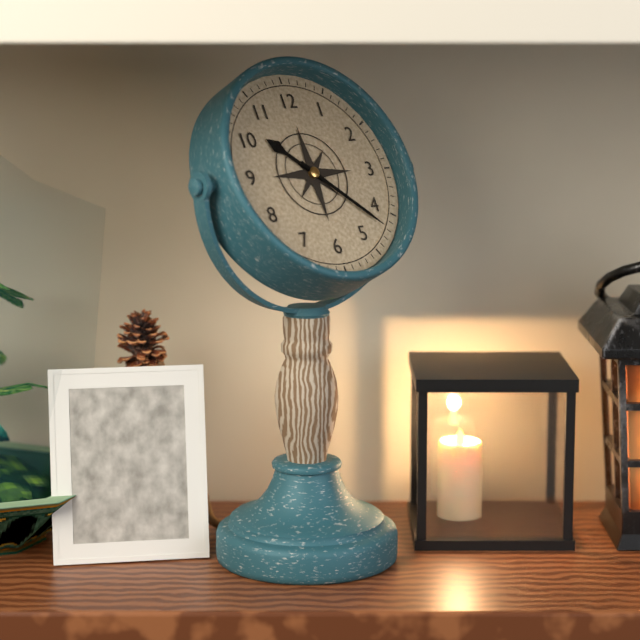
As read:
h=10 m=22
